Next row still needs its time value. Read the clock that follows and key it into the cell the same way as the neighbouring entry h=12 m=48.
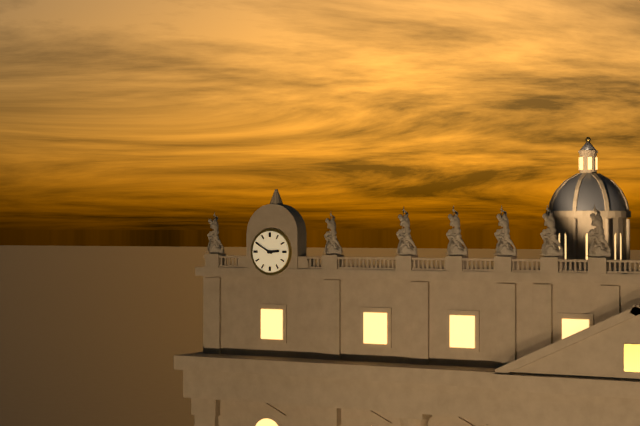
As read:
h=2 m=50
